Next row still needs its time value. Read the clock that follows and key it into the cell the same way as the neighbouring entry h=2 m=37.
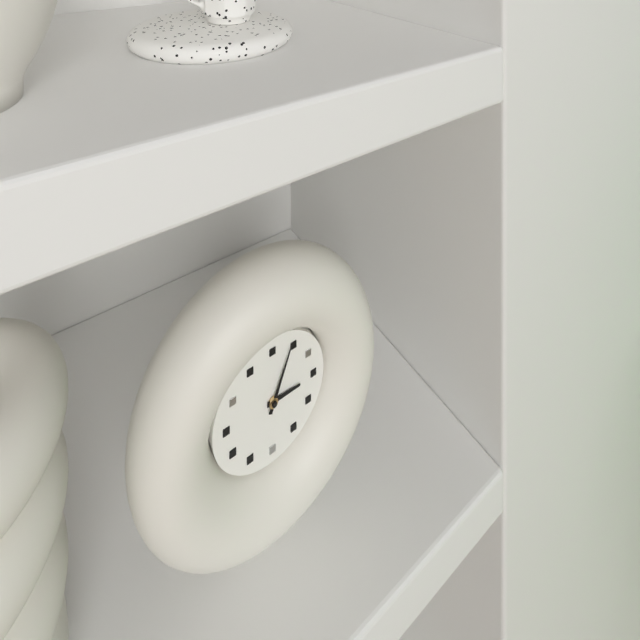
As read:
h=3 m=4
